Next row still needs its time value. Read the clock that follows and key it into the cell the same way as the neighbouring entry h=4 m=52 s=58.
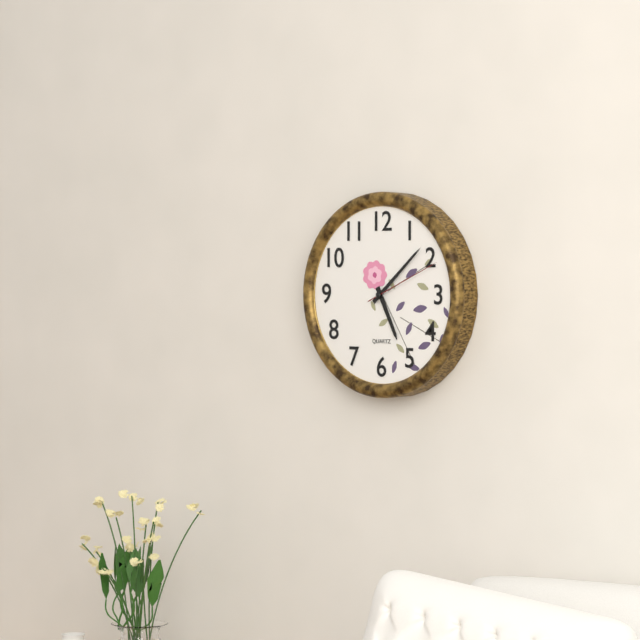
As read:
h=5 m=8 s=11
